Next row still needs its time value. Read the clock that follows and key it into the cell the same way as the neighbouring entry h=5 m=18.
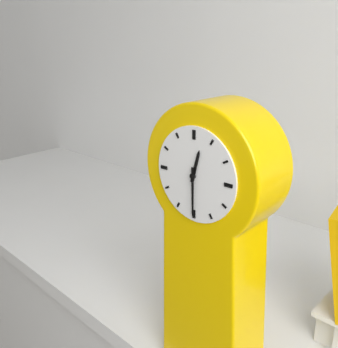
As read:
h=12 m=30
